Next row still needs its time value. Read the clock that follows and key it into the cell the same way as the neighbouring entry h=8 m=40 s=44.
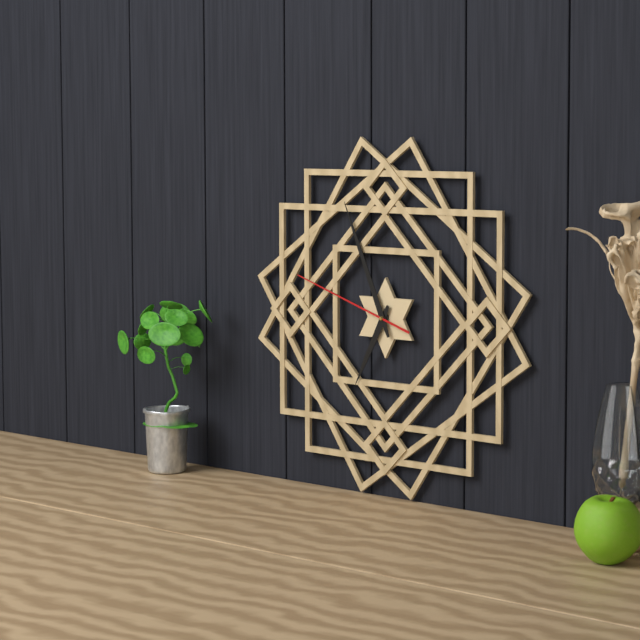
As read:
h=6 m=56 s=48
